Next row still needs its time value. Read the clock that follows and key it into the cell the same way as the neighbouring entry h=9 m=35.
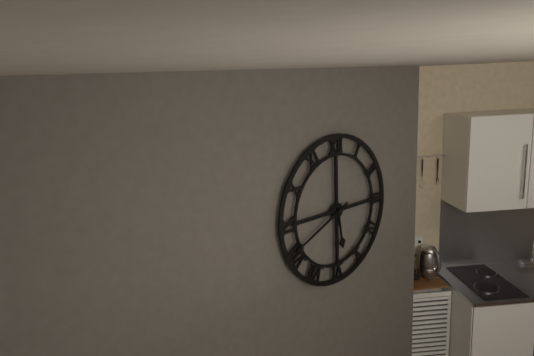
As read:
h=5 m=41
